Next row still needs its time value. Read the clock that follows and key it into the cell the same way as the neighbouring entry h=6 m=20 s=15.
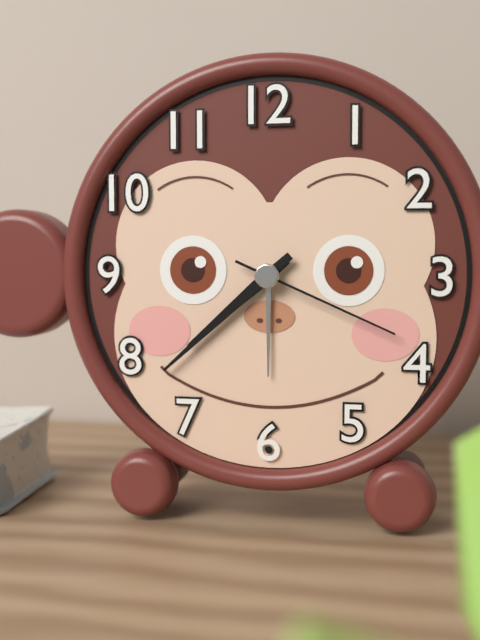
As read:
h=7 m=38 s=19
